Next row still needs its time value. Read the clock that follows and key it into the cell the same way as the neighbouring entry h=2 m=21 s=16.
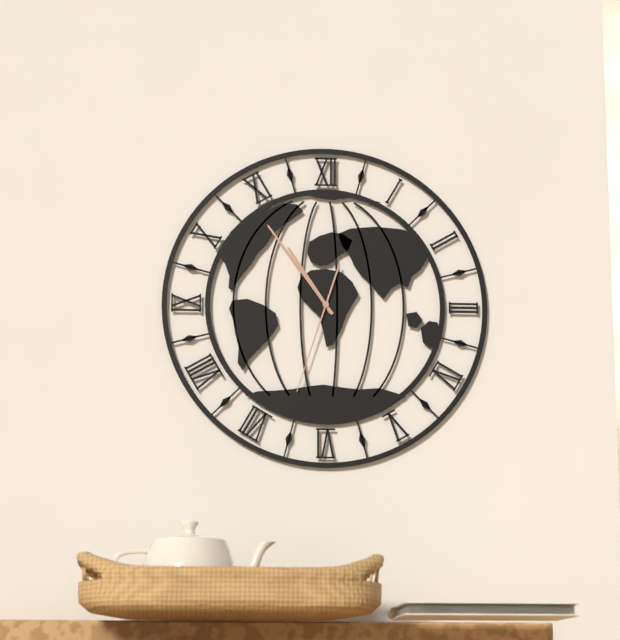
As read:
h=10 m=54 s=33
